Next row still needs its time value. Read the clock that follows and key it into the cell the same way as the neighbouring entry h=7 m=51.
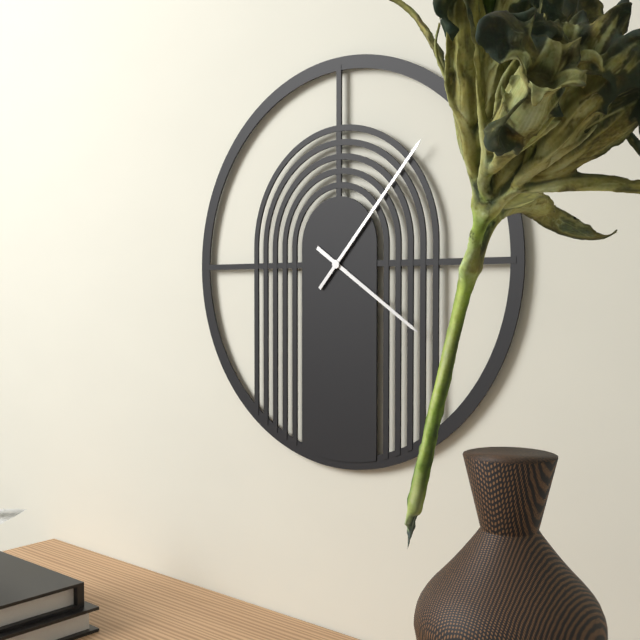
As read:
h=4 m=7
